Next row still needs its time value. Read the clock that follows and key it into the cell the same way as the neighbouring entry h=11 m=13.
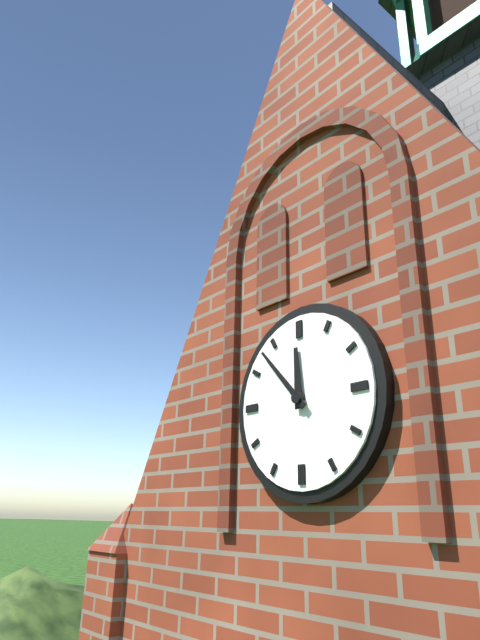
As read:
h=11 m=53
